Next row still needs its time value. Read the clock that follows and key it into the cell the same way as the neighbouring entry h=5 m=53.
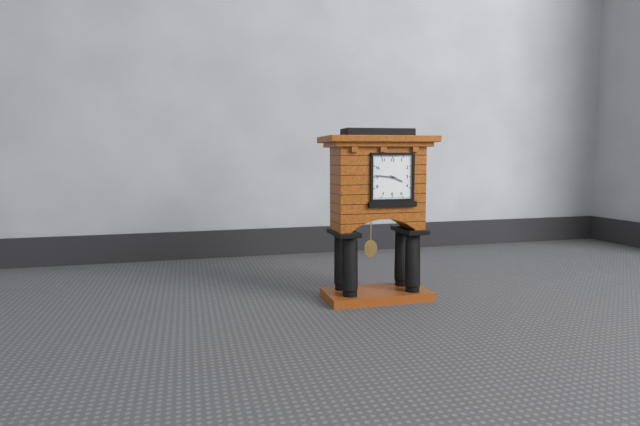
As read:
h=3 m=46
